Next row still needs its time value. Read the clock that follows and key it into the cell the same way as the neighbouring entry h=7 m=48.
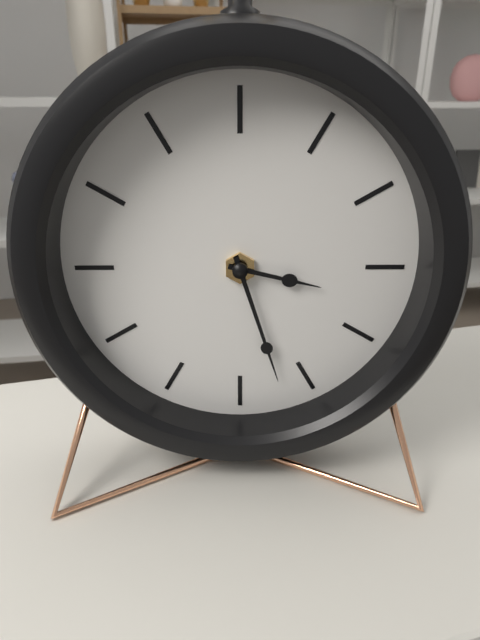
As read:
h=3 m=27
